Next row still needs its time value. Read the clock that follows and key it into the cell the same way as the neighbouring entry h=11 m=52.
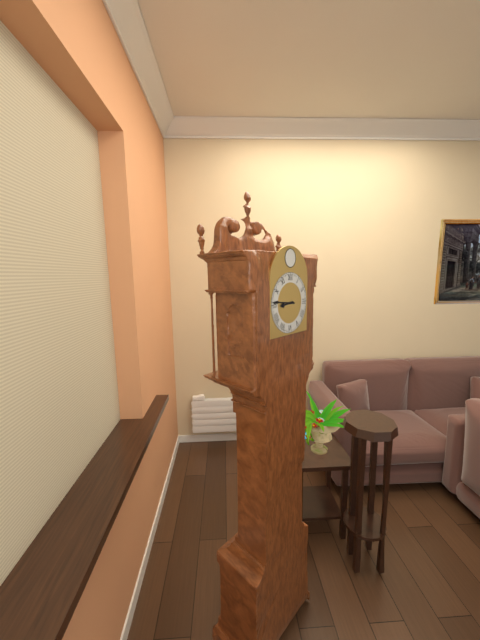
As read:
h=8 m=46
